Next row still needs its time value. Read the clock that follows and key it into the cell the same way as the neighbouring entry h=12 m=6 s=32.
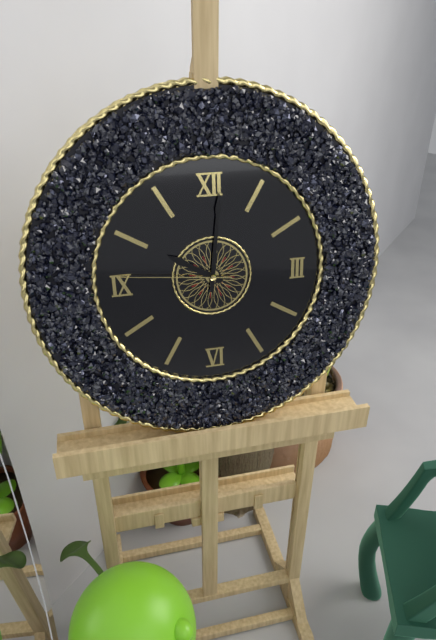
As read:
h=10 m=1 s=46
